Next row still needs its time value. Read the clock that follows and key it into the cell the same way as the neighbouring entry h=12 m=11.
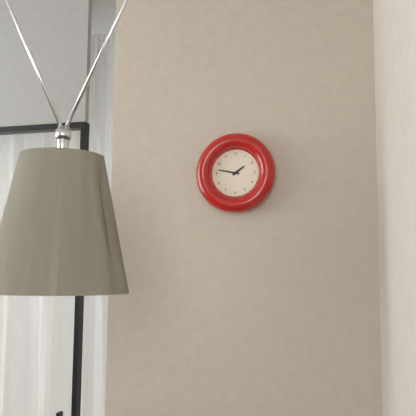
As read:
h=1 m=47
